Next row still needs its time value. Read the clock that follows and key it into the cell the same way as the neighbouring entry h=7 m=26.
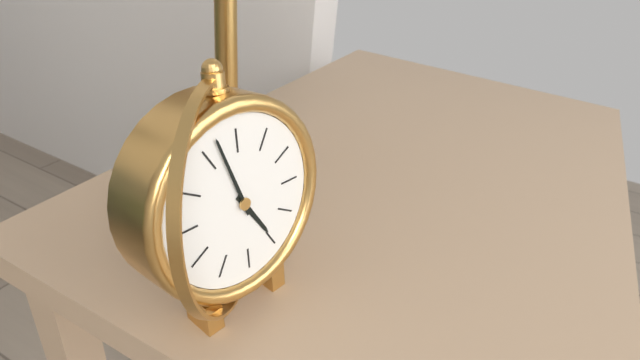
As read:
h=4 m=57
